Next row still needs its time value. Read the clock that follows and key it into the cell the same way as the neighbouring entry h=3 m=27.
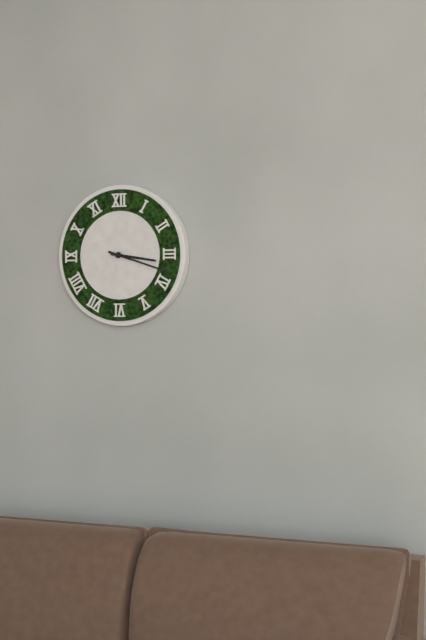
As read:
h=3 m=18
